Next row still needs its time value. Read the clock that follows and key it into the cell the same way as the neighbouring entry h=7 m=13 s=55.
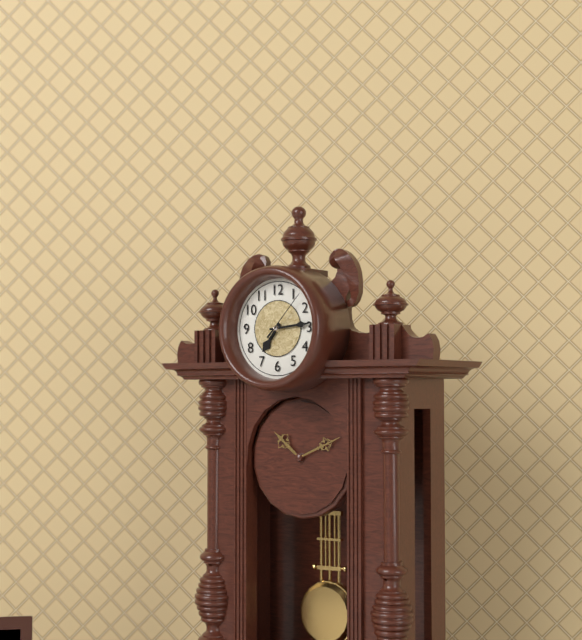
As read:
h=7 m=14 s=7
